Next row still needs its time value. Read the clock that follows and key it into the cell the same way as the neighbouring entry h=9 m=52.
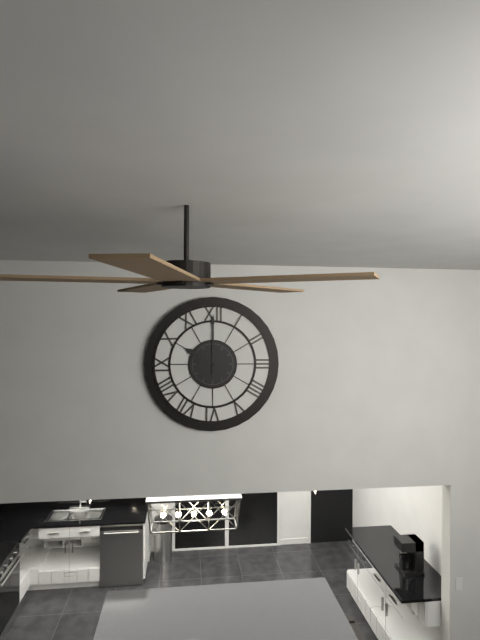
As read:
h=10 m=0
